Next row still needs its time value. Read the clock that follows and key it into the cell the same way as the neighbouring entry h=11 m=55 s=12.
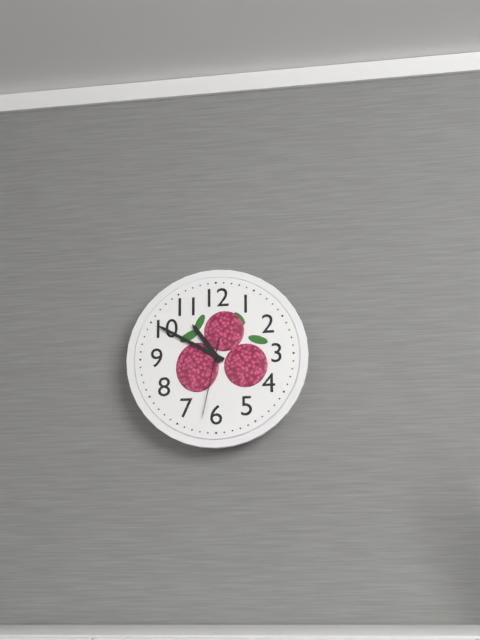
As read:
h=10 m=50 s=32
